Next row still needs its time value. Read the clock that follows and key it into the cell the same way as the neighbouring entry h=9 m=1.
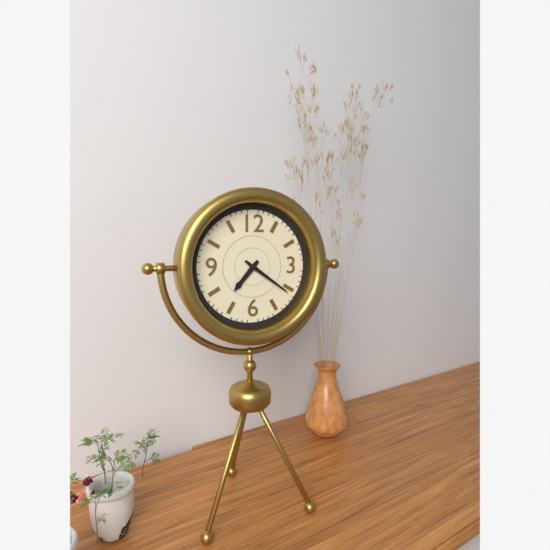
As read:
h=7 m=21
